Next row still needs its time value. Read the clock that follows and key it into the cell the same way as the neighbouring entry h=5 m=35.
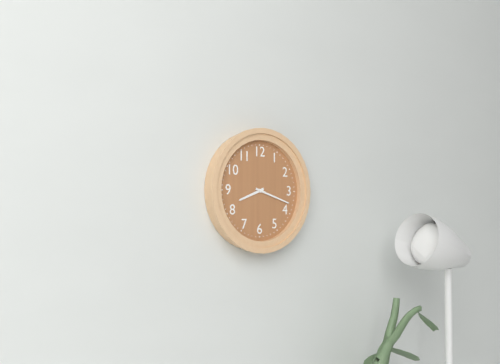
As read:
h=8 m=18
